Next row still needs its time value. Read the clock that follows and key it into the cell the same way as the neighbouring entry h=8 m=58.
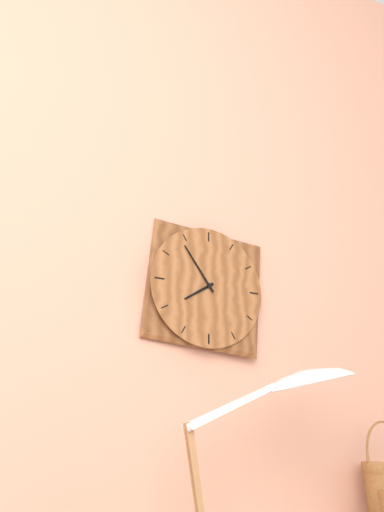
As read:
h=7 m=54
